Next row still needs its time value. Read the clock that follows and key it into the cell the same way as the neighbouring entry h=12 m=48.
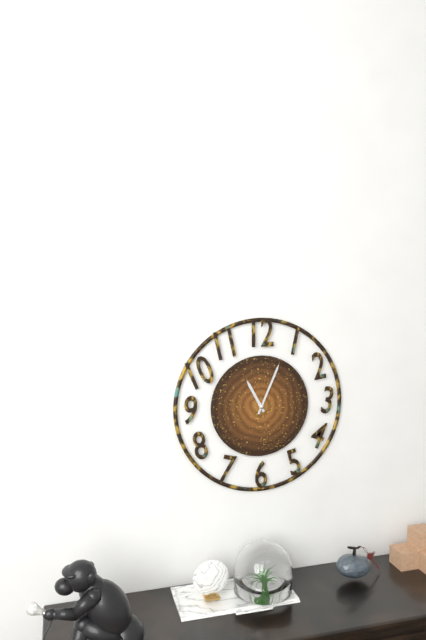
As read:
h=11 m=4
